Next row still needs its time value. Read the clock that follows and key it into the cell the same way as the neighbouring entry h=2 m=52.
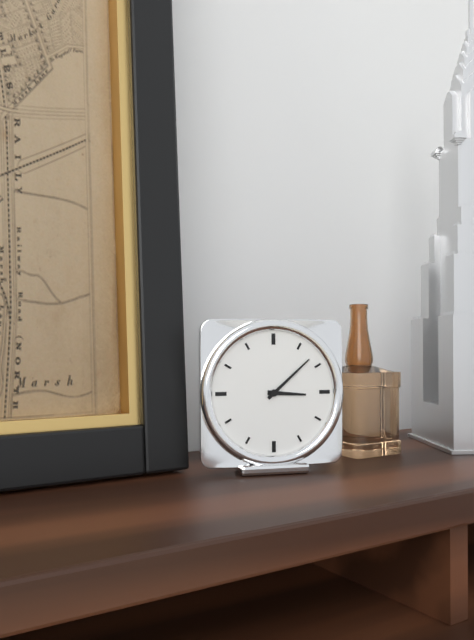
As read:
h=3 m=8
